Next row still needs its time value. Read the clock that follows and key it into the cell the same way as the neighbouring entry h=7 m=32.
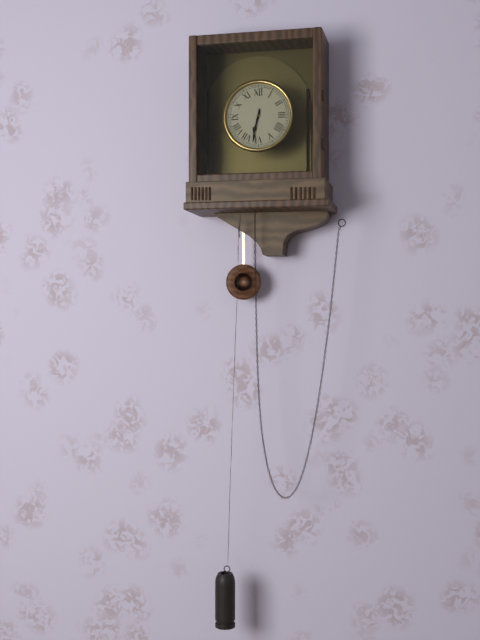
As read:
h=6 m=32
